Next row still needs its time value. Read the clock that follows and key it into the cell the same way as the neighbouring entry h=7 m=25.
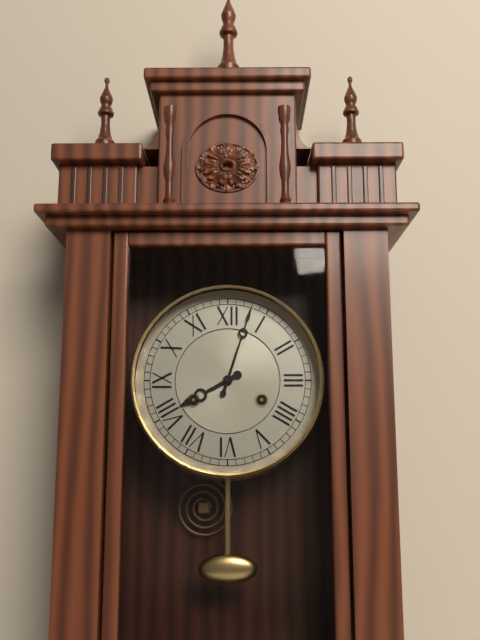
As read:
h=8 m=3
